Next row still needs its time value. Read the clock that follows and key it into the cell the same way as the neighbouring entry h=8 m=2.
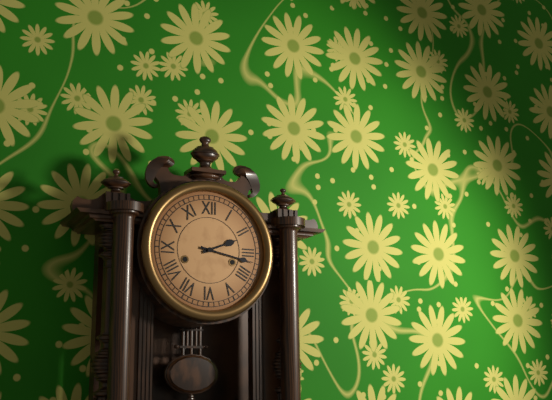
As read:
h=2 m=17
